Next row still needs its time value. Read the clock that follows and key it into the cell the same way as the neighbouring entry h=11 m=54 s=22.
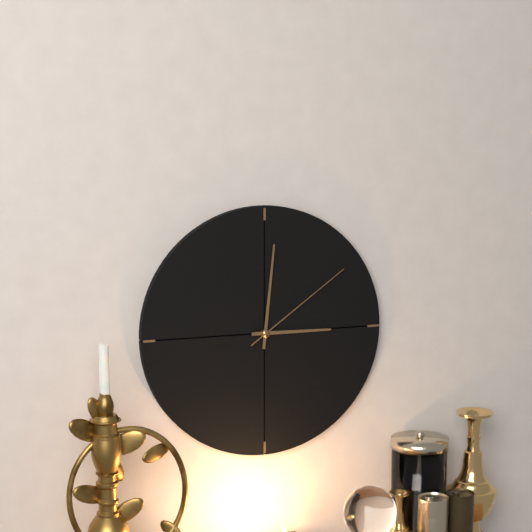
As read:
h=3 m=1 s=9
